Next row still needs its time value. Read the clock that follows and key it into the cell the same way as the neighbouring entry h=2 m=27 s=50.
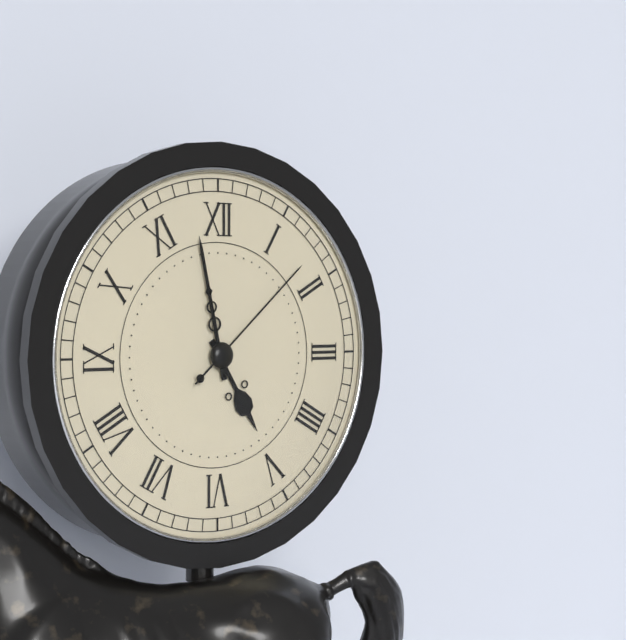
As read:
h=4 m=58 s=8
